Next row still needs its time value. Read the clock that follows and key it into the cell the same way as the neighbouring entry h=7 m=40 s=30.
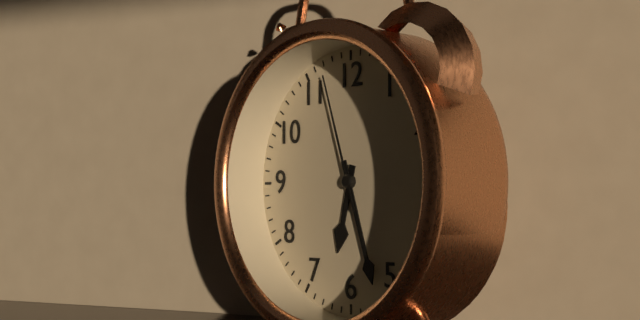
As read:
h=6 m=27 s=57
